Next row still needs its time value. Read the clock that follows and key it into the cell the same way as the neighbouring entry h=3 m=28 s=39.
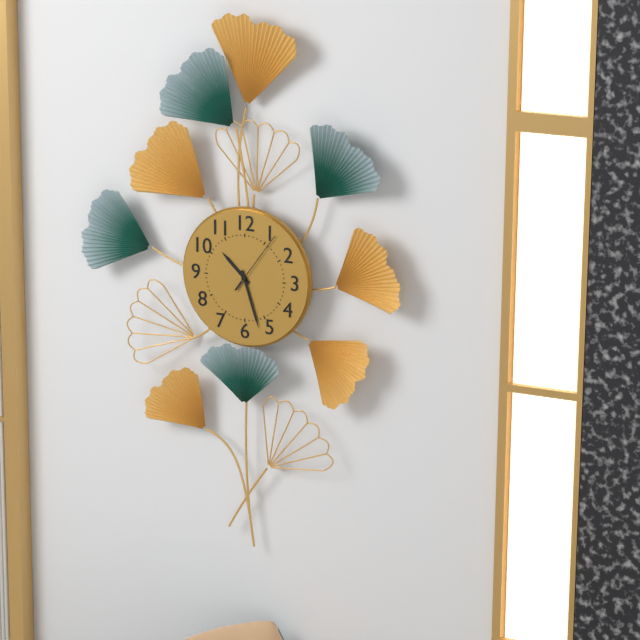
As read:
h=10 m=27 s=6
